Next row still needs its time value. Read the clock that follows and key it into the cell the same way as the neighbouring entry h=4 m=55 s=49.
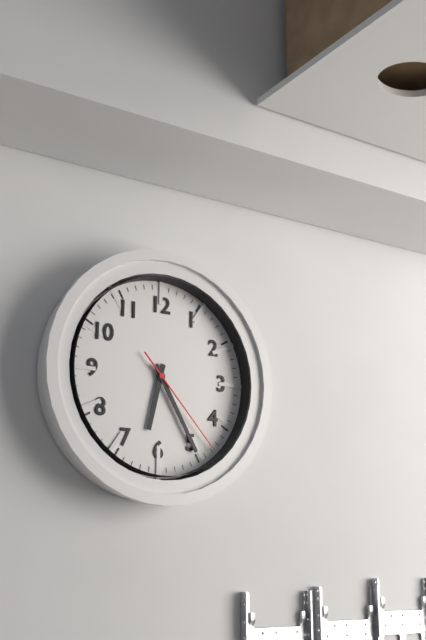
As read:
h=6 m=25 s=23
